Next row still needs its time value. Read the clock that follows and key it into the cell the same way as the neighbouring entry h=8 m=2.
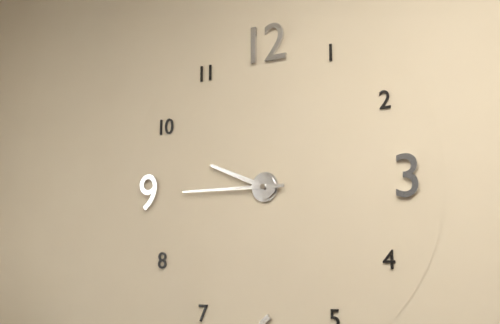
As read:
h=9 m=45
